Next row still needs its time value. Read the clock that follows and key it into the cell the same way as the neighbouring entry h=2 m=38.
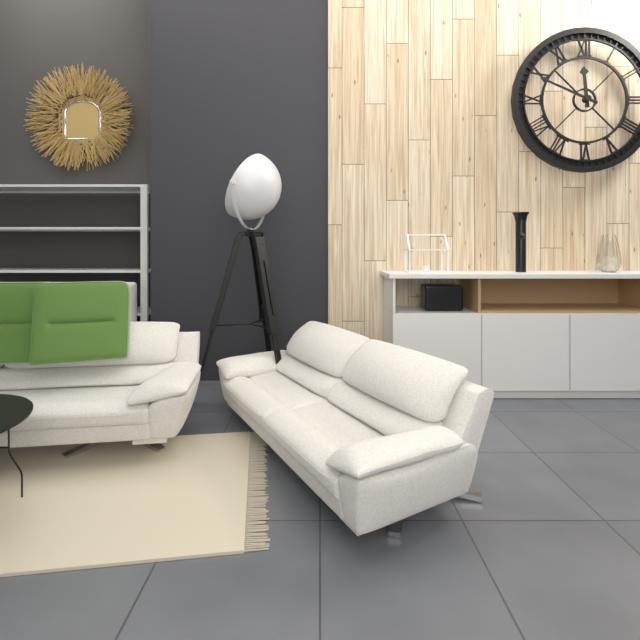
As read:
h=11 m=49
